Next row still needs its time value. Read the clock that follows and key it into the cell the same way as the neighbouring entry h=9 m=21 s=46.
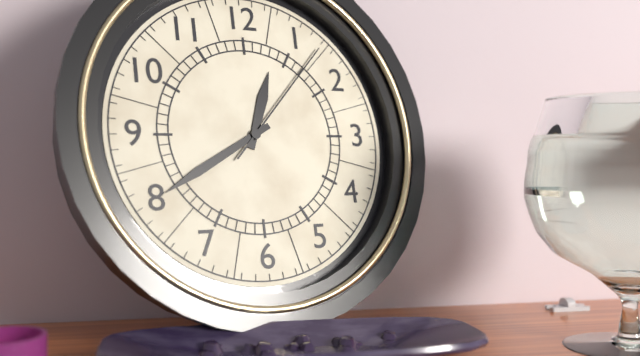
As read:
h=12 m=40 s=7
